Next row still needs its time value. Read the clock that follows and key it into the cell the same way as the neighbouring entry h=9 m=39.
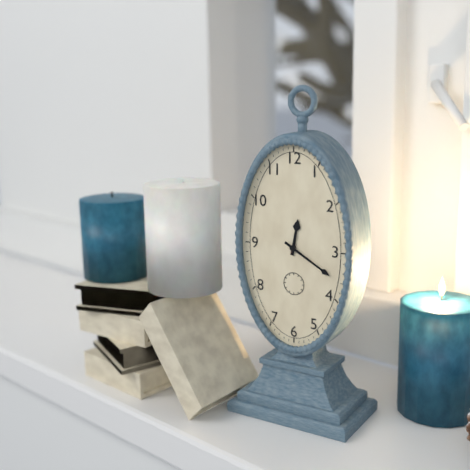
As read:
h=12 m=20
